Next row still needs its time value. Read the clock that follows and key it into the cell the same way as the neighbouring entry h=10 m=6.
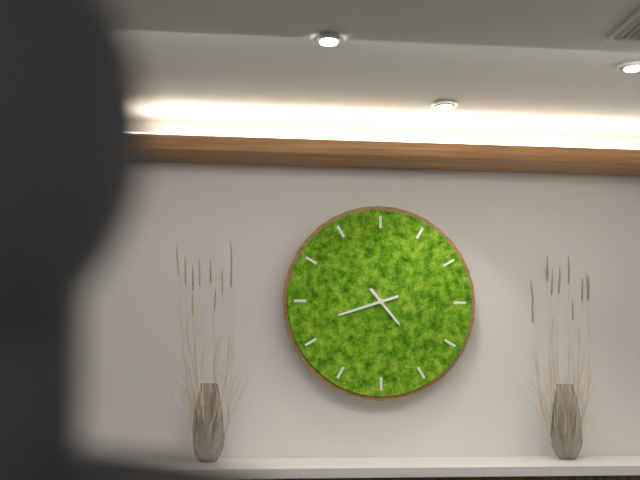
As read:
h=4 m=42
